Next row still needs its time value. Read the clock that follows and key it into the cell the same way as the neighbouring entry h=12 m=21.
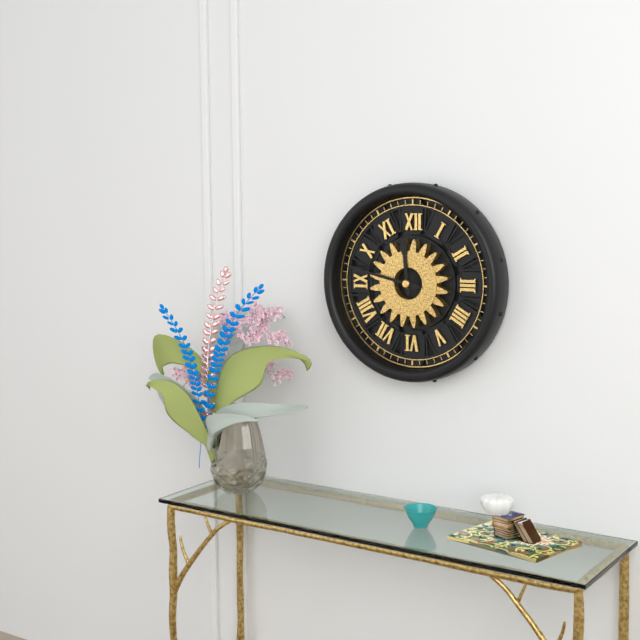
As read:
h=11 m=47
